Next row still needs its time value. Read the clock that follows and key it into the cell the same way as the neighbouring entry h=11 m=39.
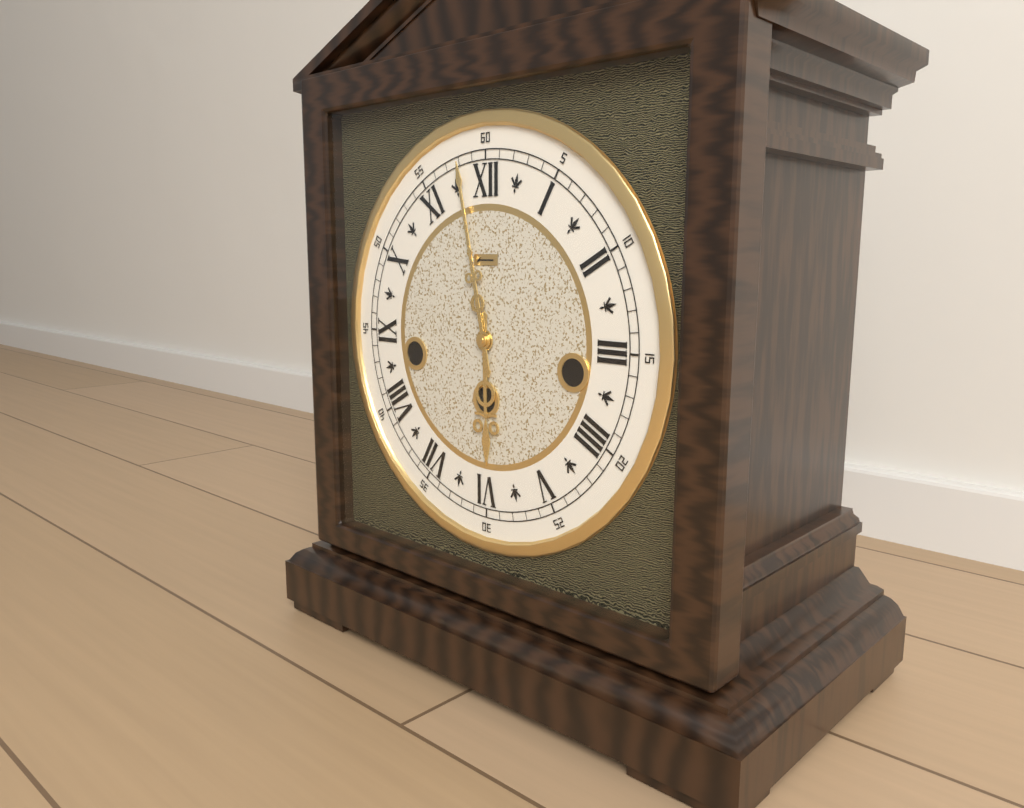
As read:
h=5 m=58
